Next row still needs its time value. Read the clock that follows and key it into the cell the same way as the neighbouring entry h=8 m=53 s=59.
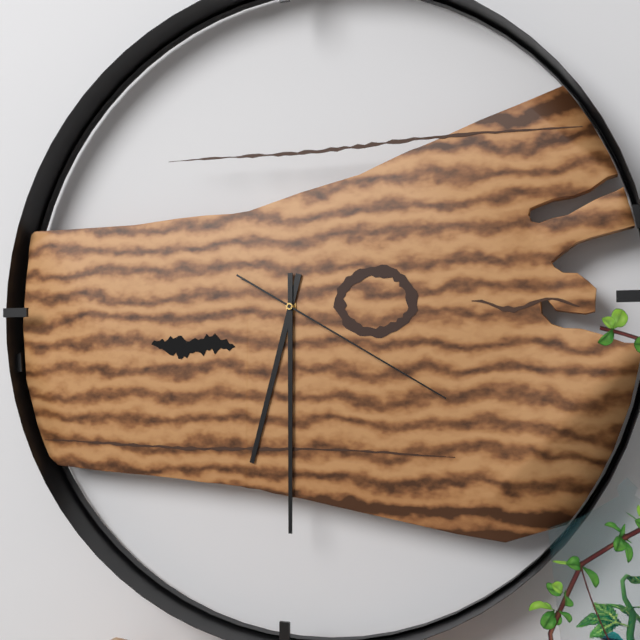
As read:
h=6 m=30 s=20
